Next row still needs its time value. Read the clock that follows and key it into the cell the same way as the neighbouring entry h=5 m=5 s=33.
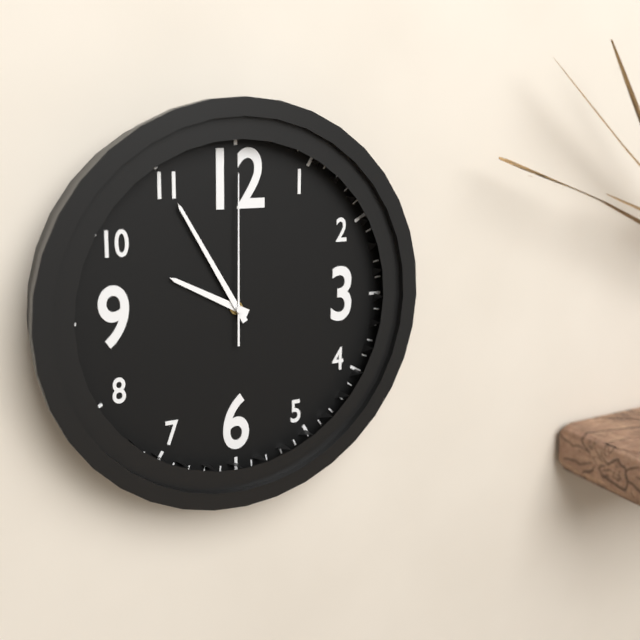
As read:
h=9 m=55 s=0
